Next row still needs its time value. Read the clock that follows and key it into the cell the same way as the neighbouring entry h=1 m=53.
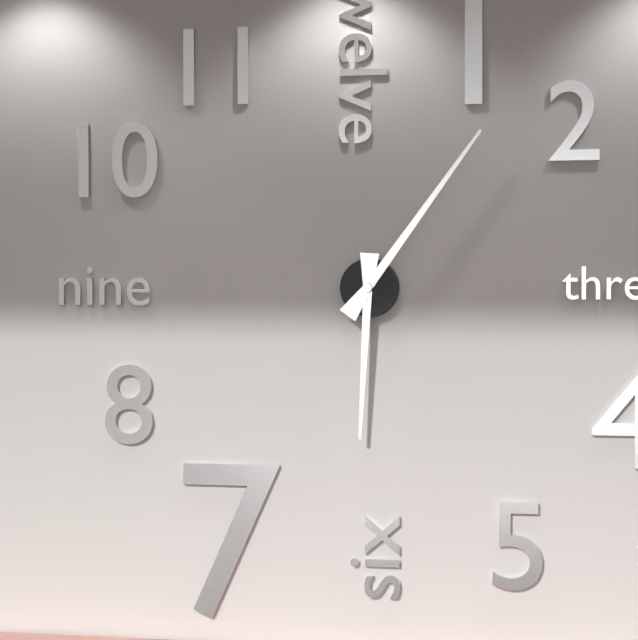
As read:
h=6 m=6
